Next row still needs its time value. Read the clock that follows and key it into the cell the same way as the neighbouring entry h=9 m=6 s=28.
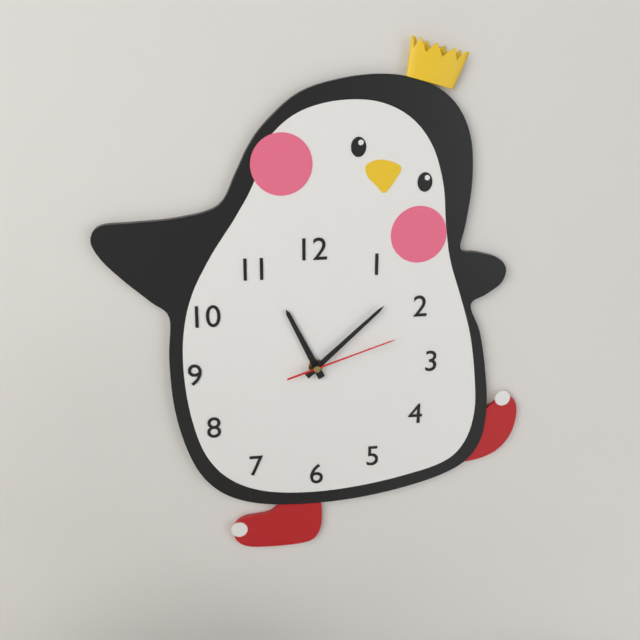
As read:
h=11 m=8 s=12
